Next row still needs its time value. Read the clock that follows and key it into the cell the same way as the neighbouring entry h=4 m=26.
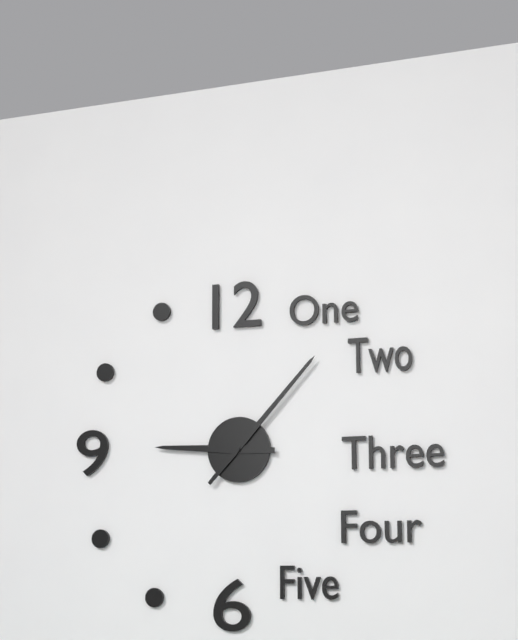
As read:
h=9 m=7
